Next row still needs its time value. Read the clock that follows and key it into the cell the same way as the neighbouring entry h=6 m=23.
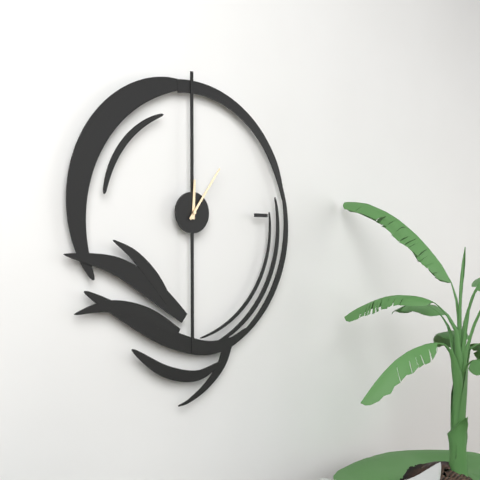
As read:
h=12 m=6
